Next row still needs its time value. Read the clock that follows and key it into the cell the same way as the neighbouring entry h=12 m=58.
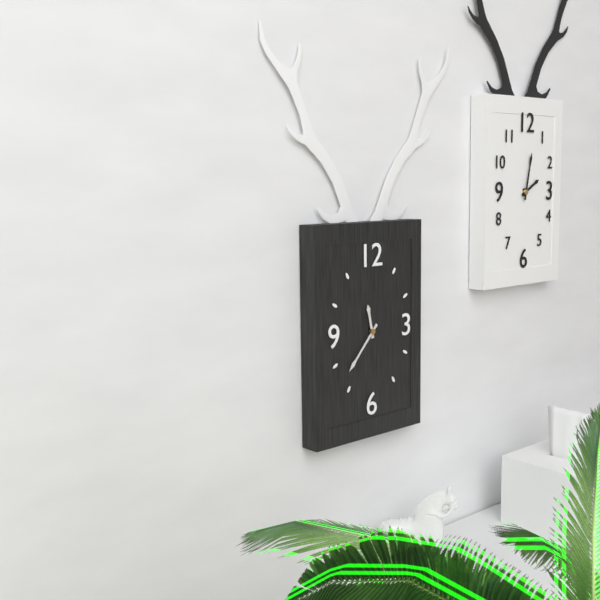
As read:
h=11 m=37
